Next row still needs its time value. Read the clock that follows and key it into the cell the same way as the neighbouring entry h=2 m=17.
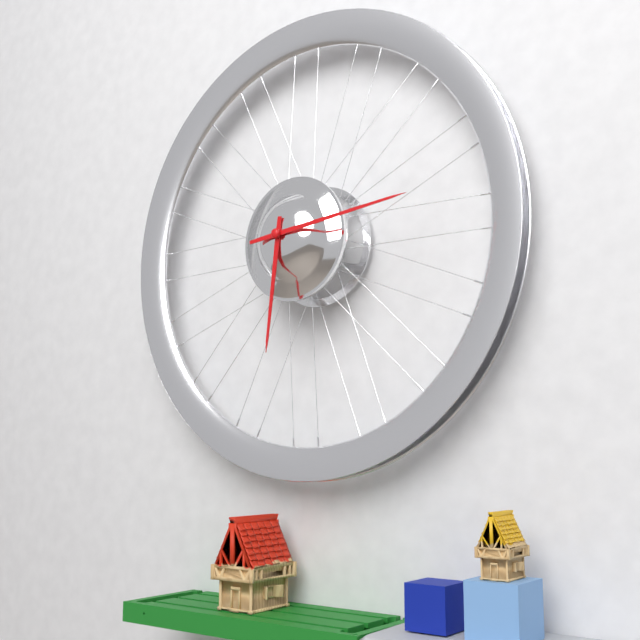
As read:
h=6 m=14
